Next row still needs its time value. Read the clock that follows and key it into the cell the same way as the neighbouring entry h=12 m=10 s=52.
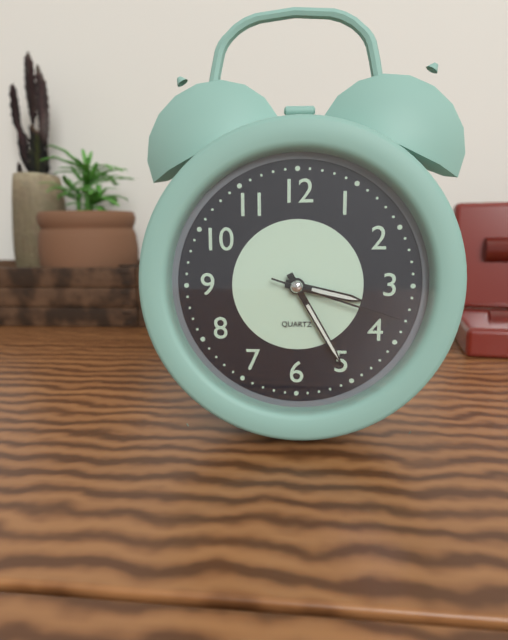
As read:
h=3 m=25 s=18
